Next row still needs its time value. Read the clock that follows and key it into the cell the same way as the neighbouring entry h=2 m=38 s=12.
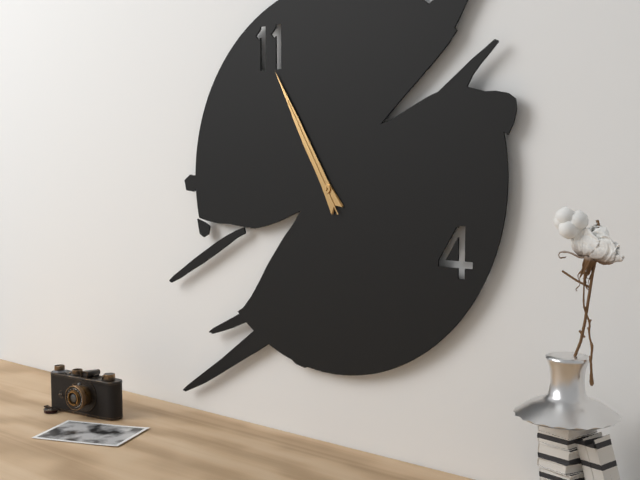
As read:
h=10 m=55 s=55
